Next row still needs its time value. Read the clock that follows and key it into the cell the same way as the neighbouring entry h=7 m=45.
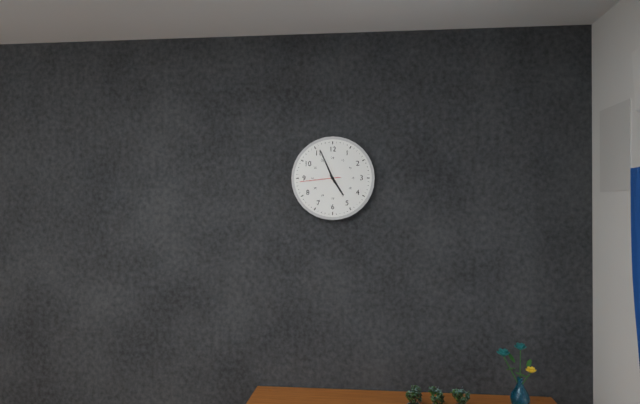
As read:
h=4 m=56
